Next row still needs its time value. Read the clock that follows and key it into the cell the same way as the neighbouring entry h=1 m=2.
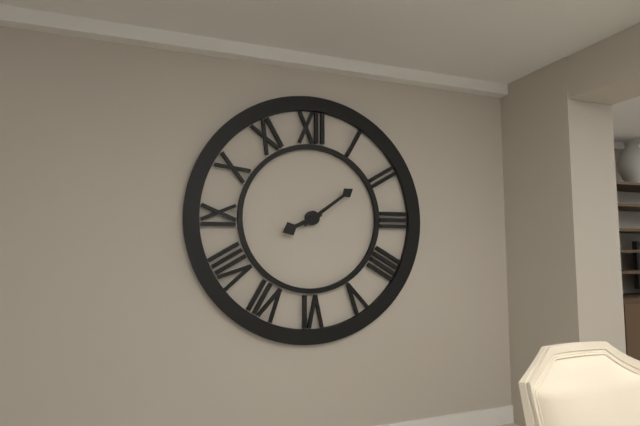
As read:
h=8 m=9
